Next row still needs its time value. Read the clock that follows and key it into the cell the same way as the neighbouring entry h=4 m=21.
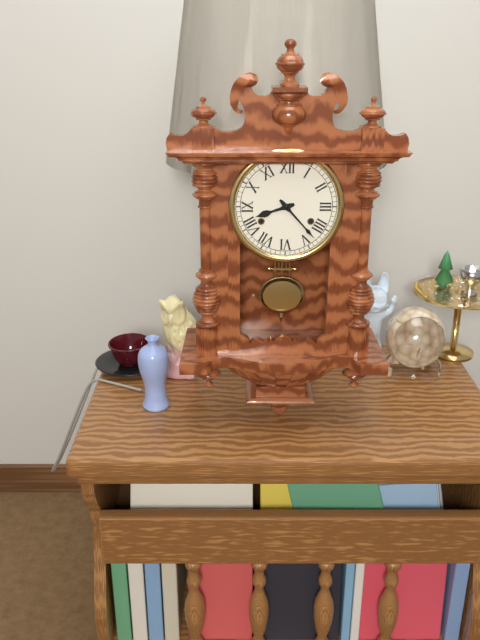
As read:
h=8 m=23
